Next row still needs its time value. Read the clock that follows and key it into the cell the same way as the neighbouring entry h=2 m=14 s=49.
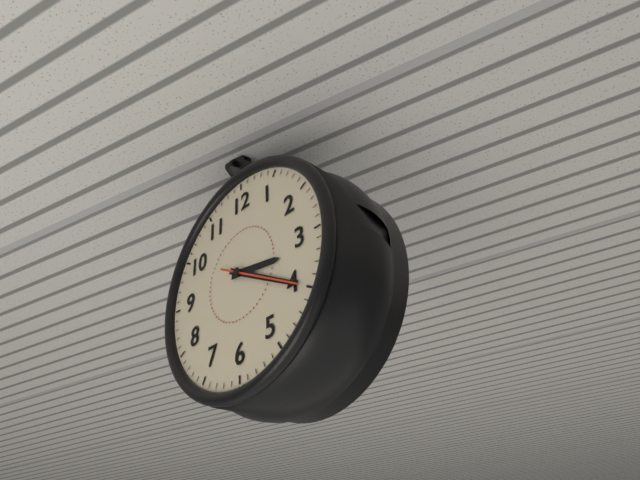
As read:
h=3 m=20 s=20
